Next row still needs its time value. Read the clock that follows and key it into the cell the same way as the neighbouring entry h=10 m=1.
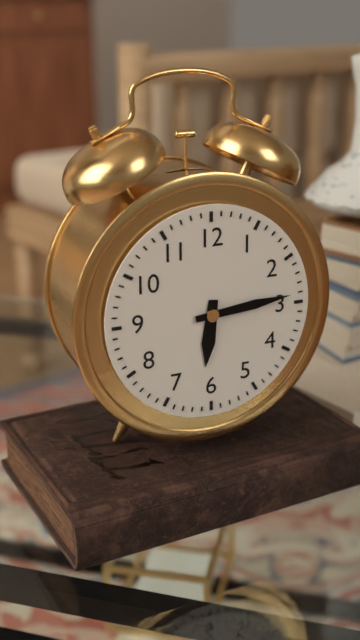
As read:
h=6 m=14
